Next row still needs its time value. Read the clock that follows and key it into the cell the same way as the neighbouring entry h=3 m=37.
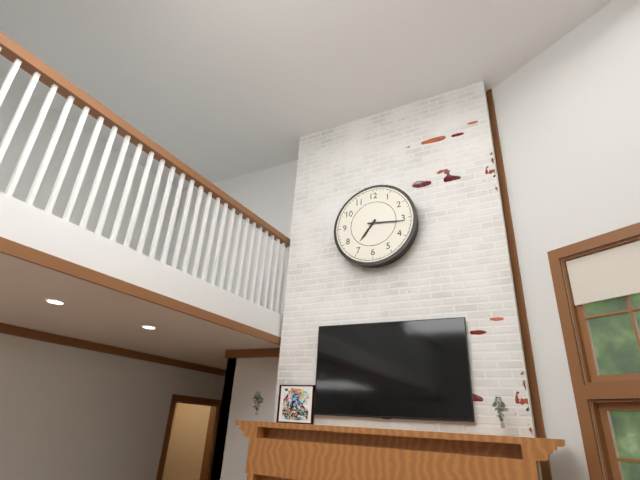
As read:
h=7 m=16
